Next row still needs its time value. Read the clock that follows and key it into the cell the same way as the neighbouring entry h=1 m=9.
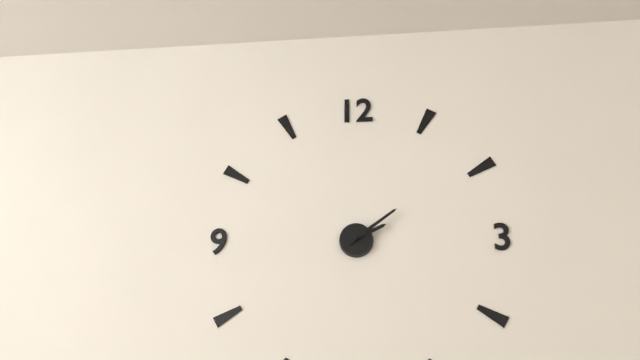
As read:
h=2 m=9
